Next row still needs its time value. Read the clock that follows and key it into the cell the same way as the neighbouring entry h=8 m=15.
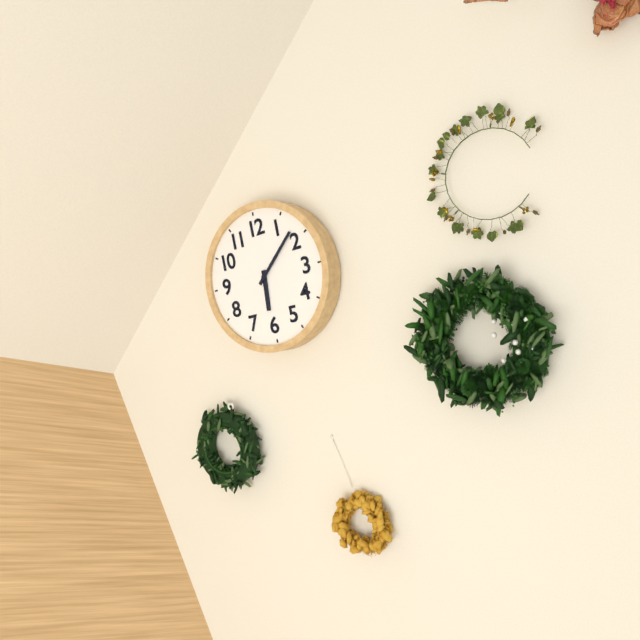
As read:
h=6 m=8
